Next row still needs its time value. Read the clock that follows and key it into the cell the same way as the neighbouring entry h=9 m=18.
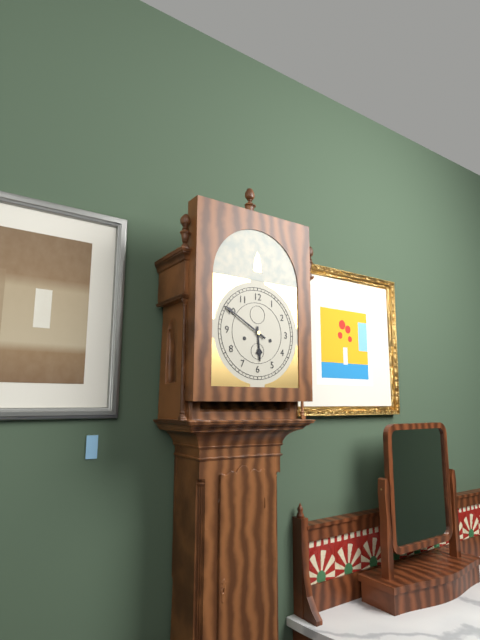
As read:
h=5 m=50
